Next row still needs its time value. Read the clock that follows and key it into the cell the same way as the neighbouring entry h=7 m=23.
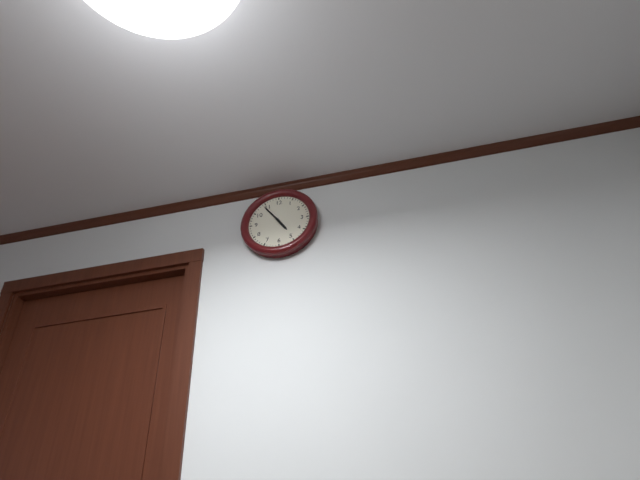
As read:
h=4 m=54
